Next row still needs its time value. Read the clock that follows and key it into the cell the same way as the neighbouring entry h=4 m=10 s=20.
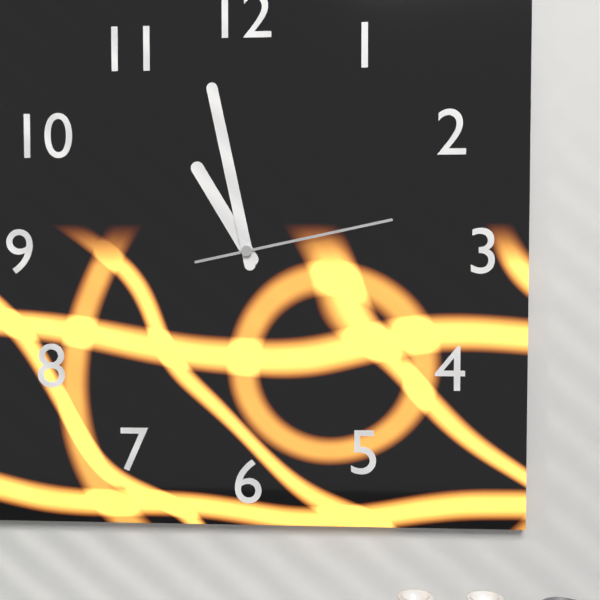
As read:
h=10 m=58 s=13
